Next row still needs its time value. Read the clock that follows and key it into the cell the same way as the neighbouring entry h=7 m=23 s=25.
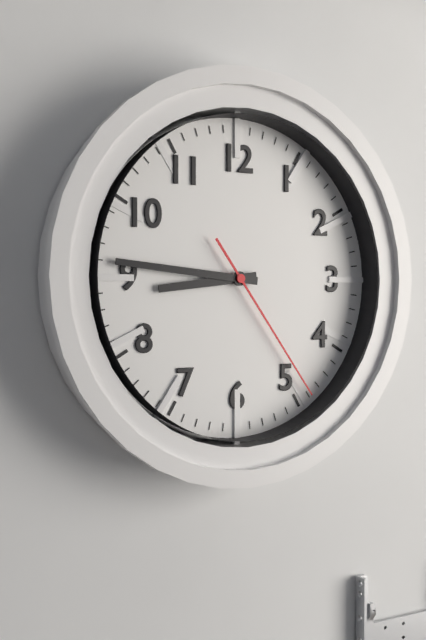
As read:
h=8 m=46 s=24
